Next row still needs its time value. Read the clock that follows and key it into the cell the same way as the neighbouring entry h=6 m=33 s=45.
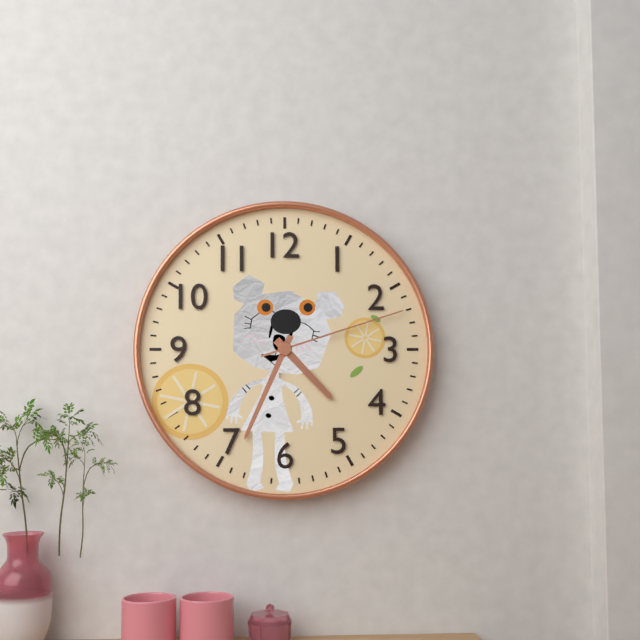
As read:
h=4 m=34 s=12
